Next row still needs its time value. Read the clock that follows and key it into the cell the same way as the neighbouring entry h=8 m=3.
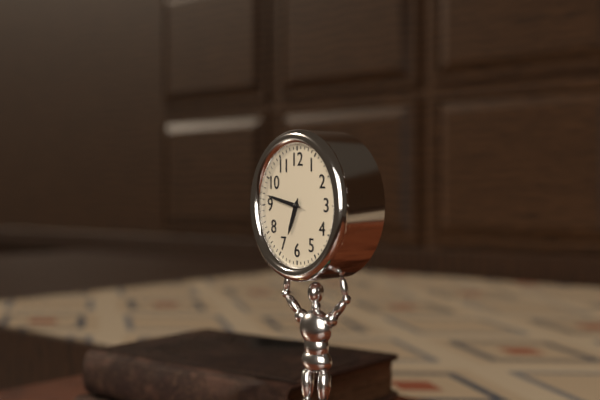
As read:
h=6 m=47
